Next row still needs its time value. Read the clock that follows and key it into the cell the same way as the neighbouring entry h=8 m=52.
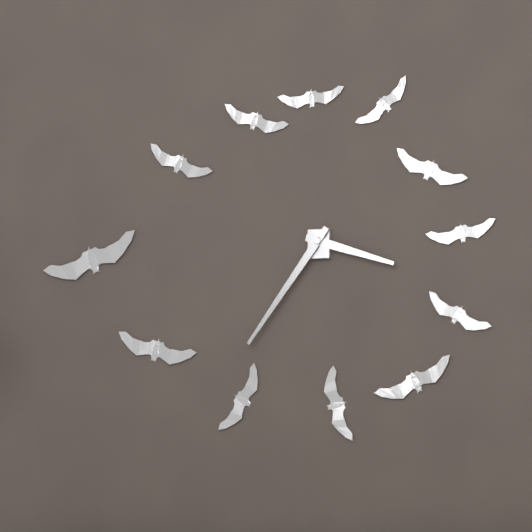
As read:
h=3 m=36
